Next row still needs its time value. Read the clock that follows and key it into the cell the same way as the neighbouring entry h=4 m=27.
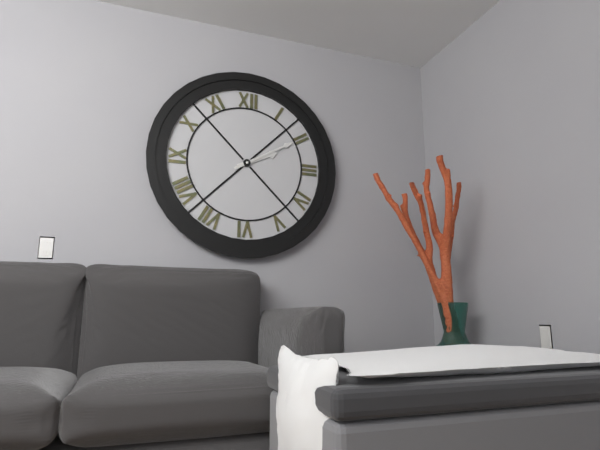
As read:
h=2 m=10
